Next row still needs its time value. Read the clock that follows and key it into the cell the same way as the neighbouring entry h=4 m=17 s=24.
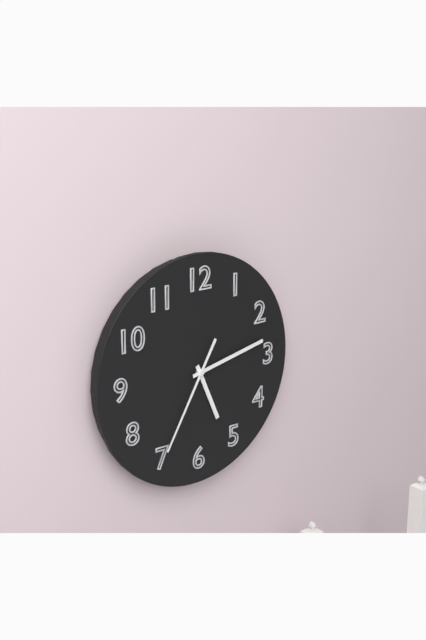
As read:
h=5 m=13 s=35
